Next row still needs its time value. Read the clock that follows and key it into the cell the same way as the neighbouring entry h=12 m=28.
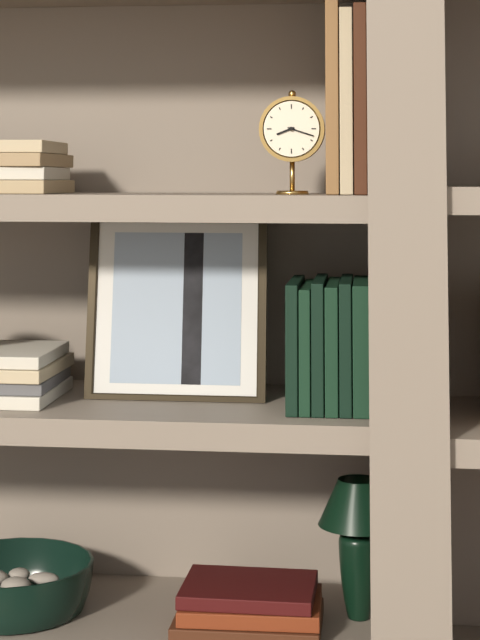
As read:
h=8 m=18
